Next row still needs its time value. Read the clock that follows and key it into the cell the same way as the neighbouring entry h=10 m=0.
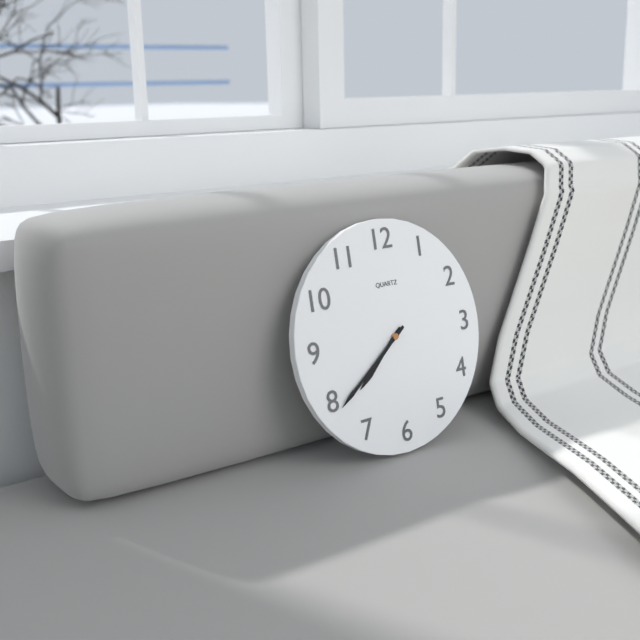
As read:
h=7 m=39
